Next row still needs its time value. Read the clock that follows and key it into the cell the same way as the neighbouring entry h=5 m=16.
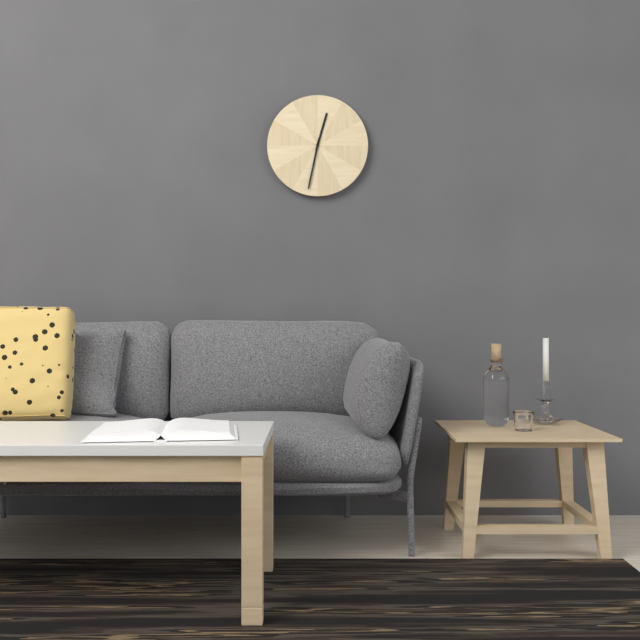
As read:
h=12 m=32
